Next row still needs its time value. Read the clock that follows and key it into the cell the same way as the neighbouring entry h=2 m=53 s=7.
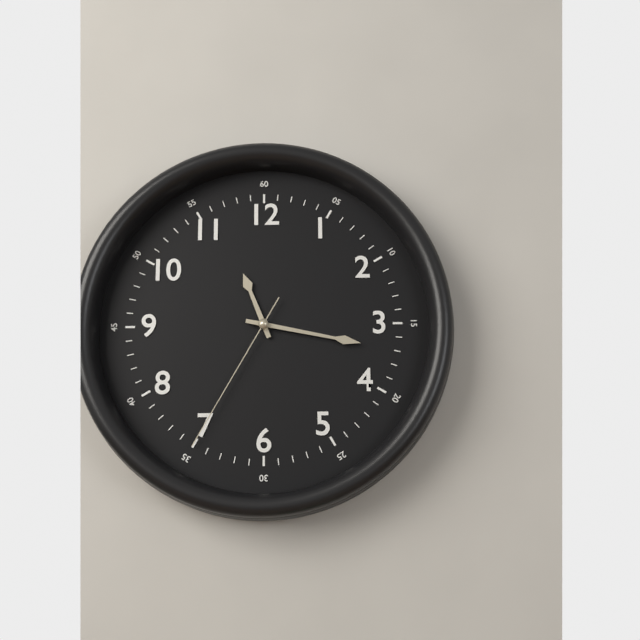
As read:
h=11 m=17 s=35
